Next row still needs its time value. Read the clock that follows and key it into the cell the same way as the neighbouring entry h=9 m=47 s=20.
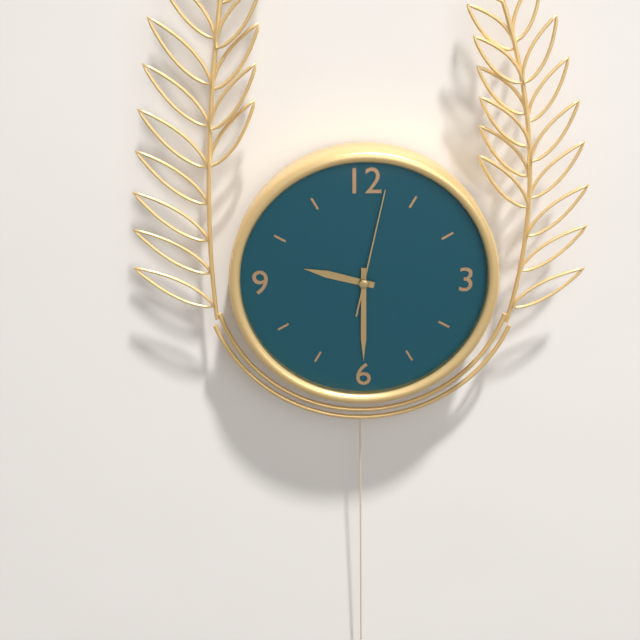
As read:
h=9 m=30 s=2
